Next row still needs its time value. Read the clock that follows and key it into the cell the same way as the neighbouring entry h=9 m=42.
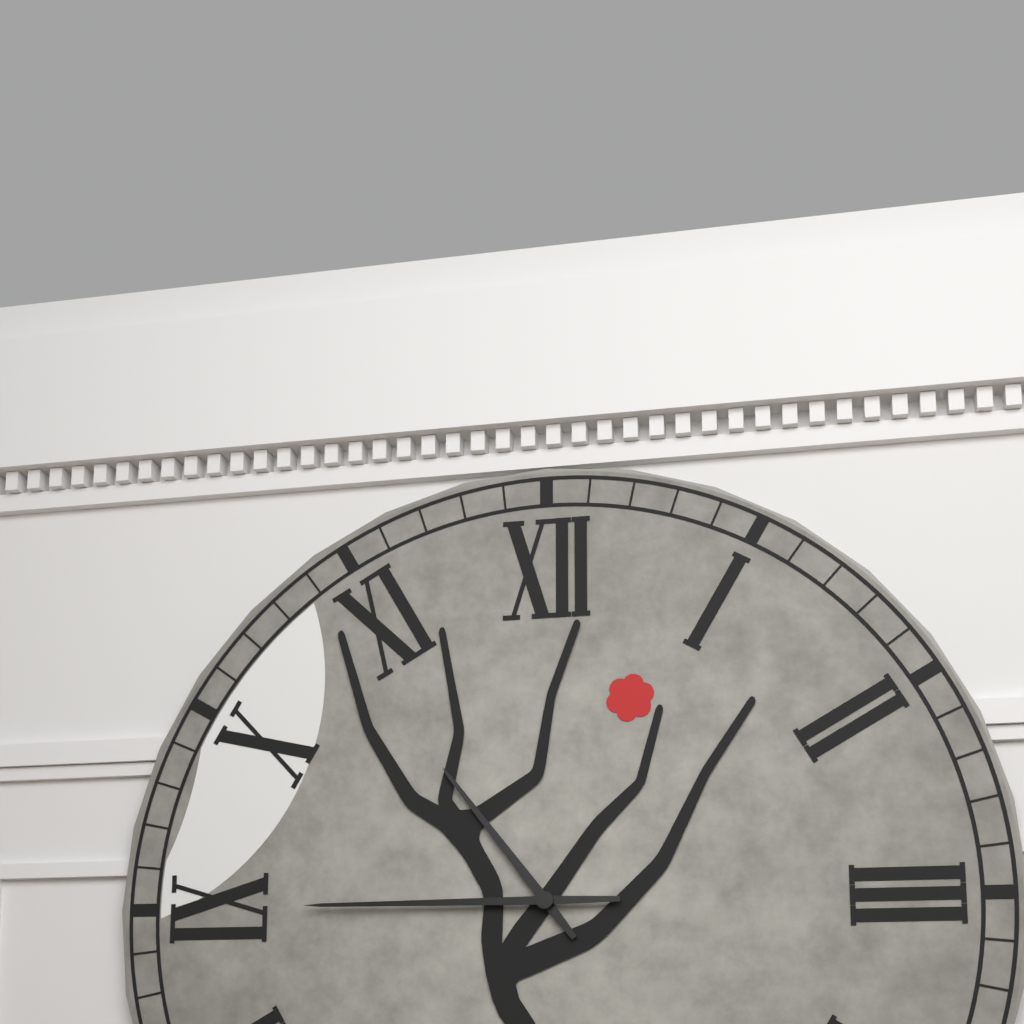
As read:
h=10 m=45
